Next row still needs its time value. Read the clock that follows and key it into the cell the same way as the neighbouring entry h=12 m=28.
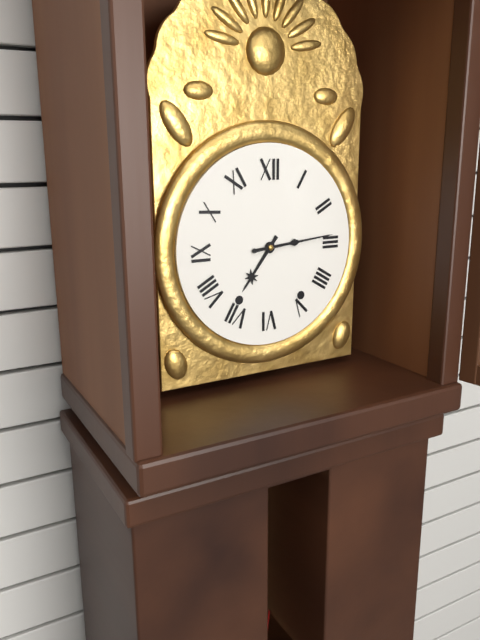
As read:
h=7 m=14
